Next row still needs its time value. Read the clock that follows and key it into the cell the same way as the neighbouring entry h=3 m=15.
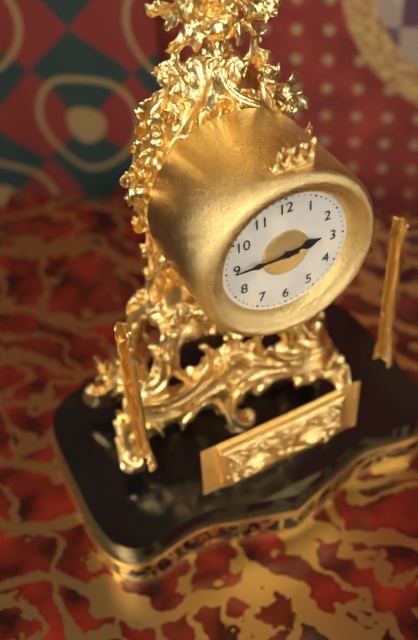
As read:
h=2 m=45
